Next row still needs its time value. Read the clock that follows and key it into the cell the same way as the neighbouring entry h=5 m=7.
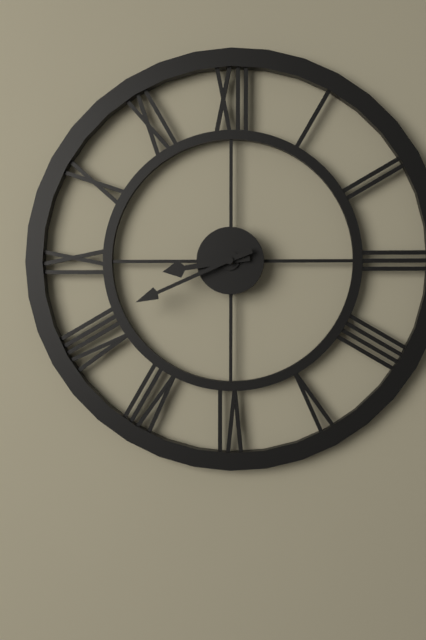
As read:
h=8 m=41
